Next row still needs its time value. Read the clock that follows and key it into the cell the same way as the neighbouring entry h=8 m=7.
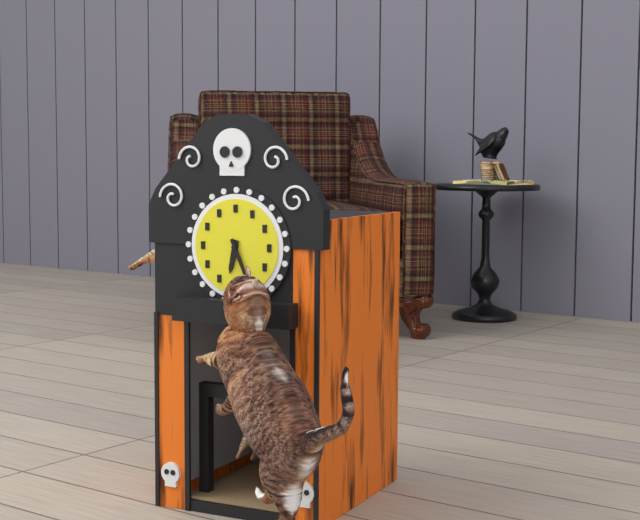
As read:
h=6 m=26
